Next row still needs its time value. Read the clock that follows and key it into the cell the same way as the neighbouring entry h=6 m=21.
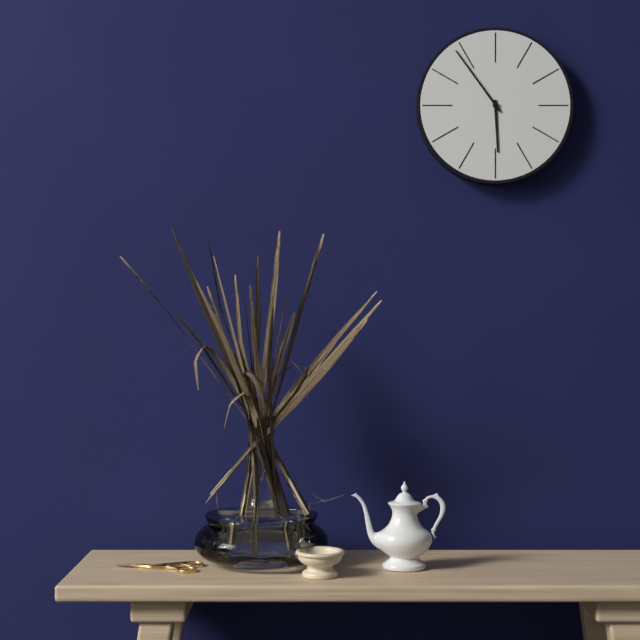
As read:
h=5 m=54
